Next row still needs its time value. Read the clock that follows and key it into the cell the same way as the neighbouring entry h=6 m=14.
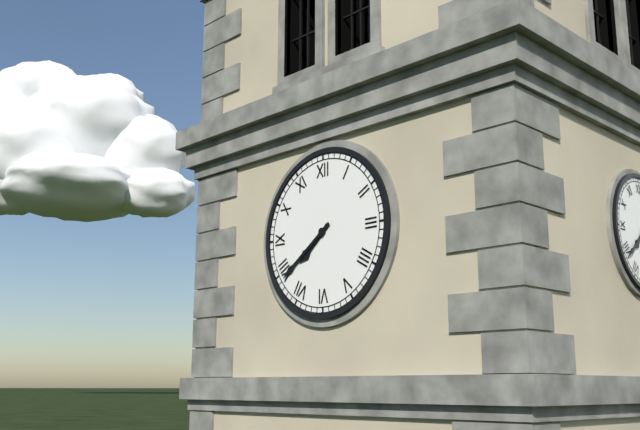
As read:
h=7 m=39
